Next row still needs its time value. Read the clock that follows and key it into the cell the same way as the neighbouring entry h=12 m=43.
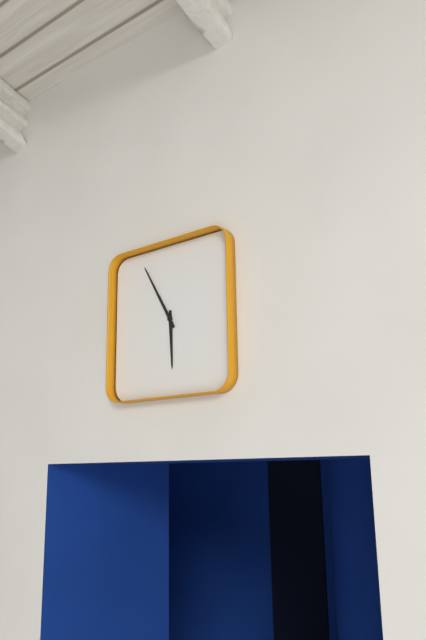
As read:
h=5 m=55
